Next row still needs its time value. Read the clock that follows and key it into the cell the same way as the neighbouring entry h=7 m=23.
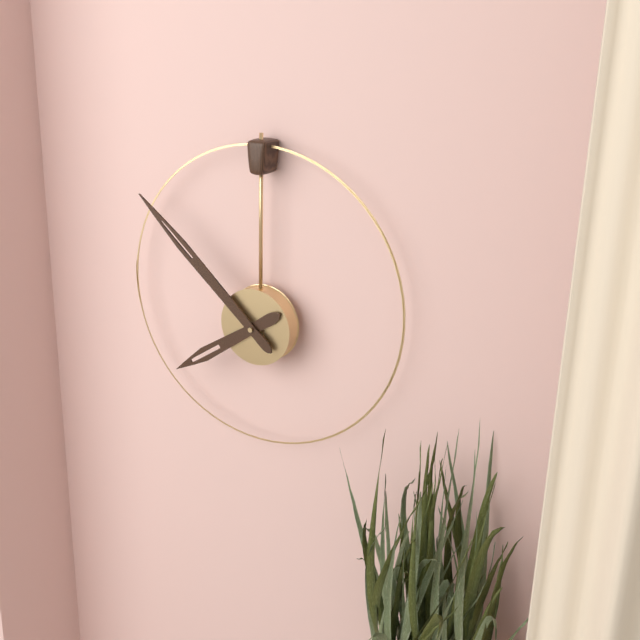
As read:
h=7 m=52
